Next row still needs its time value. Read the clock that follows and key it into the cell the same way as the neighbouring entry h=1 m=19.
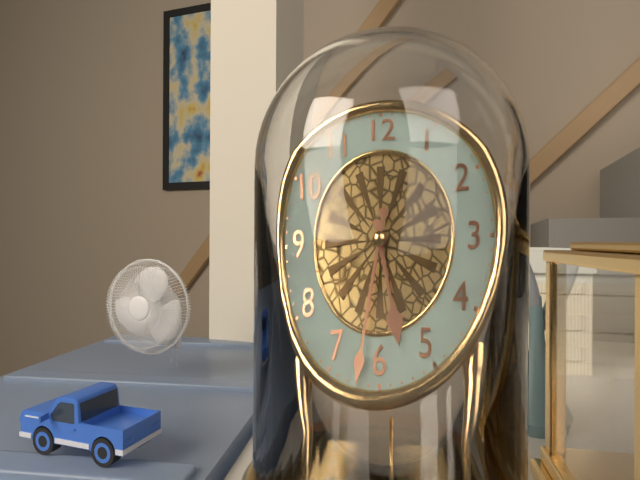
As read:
h=5 m=32
